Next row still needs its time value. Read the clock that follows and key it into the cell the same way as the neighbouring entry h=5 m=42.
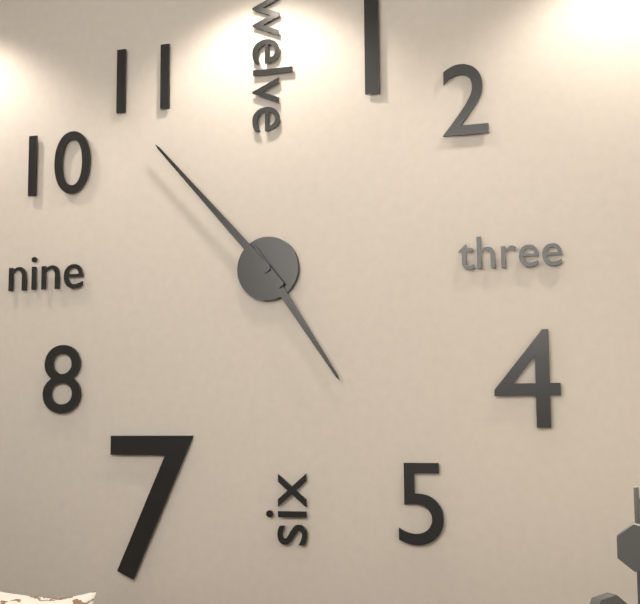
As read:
h=4 m=53
